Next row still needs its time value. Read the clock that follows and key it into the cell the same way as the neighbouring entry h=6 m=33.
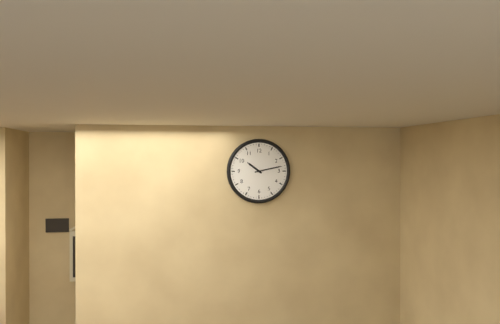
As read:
h=10 m=13
